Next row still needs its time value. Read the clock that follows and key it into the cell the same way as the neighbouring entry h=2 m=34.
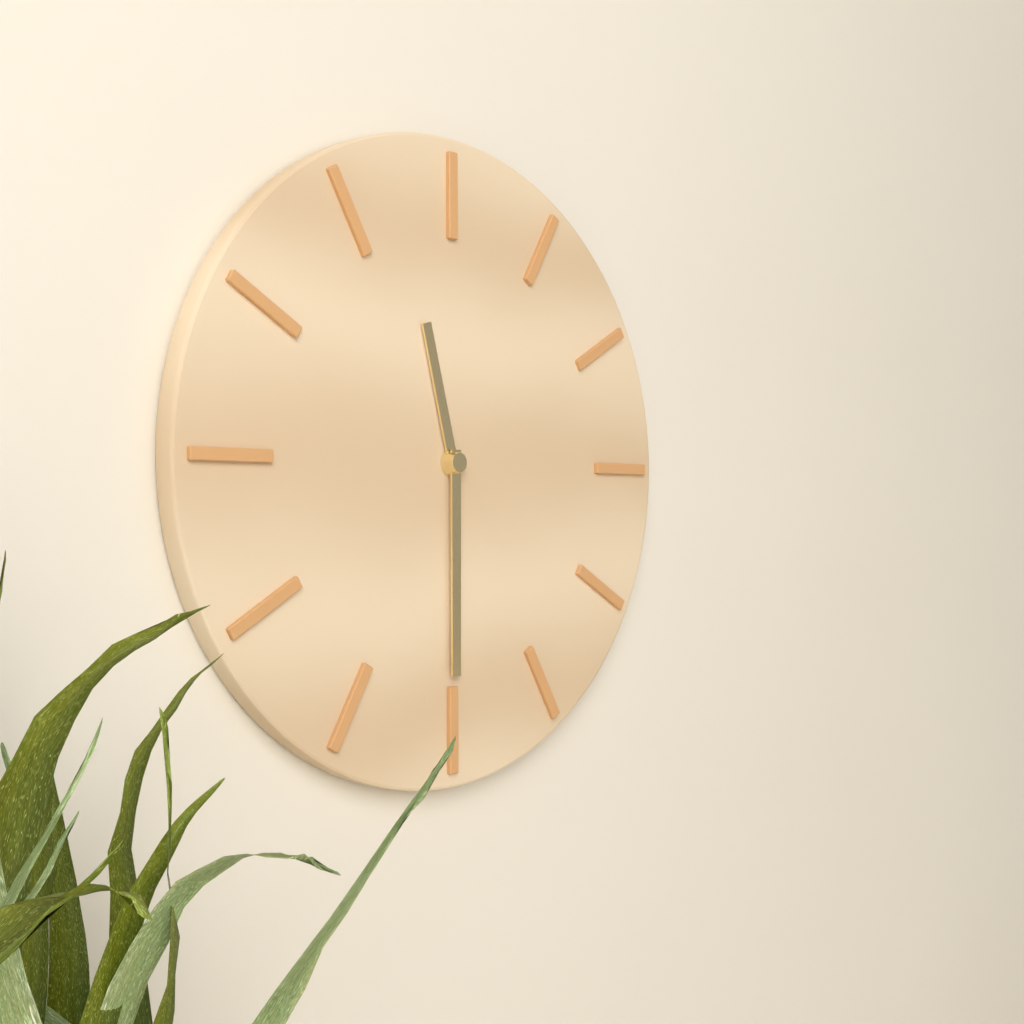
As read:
h=11 m=30
